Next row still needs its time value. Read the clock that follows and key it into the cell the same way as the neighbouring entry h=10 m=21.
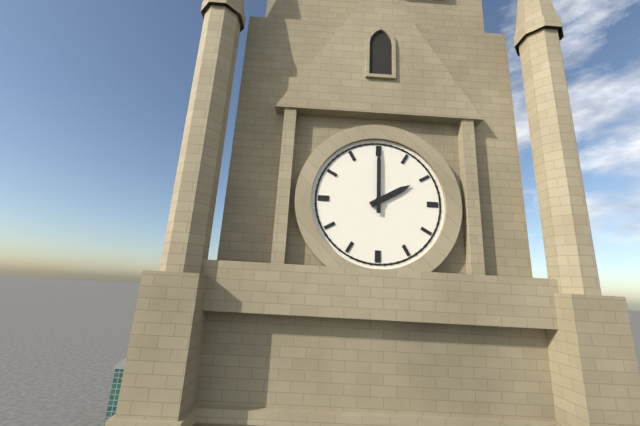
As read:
h=2 m=0
